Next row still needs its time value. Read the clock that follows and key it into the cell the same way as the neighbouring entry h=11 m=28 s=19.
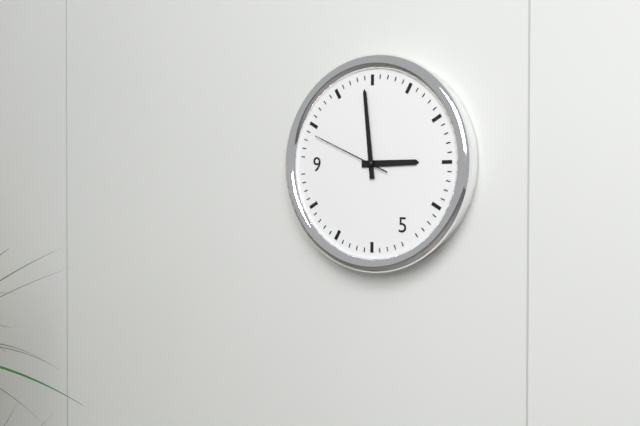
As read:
h=2 m=59 s=49
